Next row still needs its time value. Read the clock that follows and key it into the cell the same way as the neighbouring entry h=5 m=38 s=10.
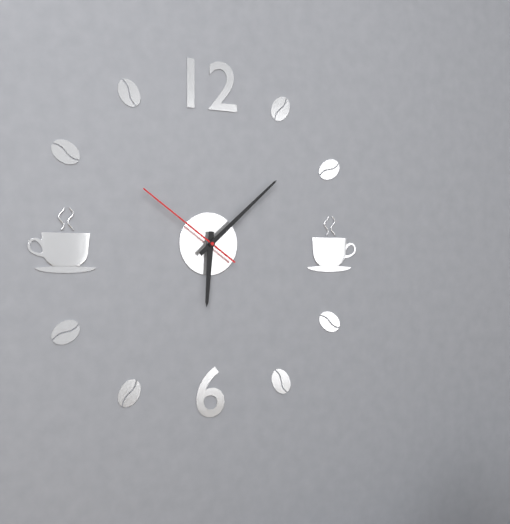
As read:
h=6 m=8 s=51
